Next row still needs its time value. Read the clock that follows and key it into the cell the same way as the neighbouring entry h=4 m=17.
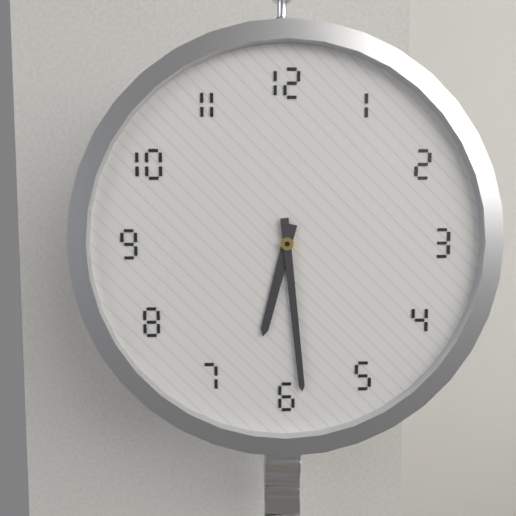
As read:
h=6 m=29
